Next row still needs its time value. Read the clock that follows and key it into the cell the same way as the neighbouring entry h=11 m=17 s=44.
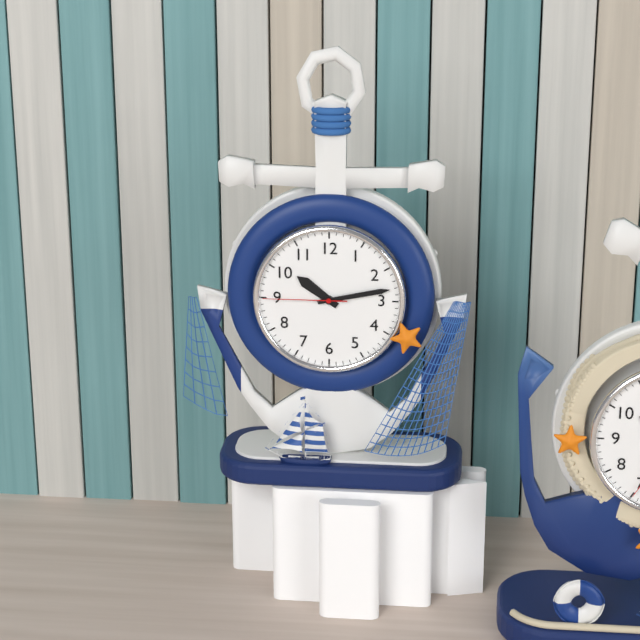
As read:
h=10 m=13 s=45
